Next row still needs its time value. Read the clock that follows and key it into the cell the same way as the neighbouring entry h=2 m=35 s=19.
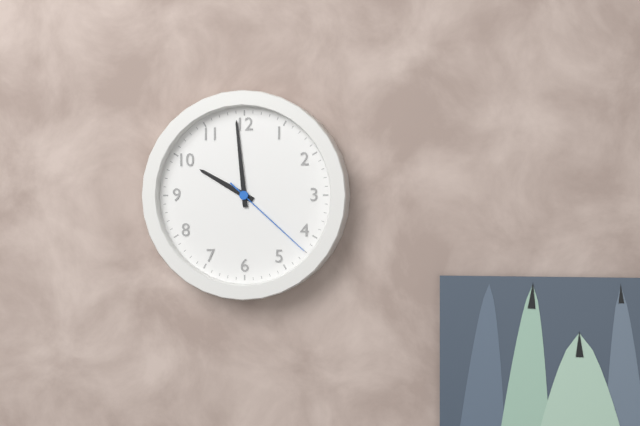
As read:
h=9 m=59 s=22
